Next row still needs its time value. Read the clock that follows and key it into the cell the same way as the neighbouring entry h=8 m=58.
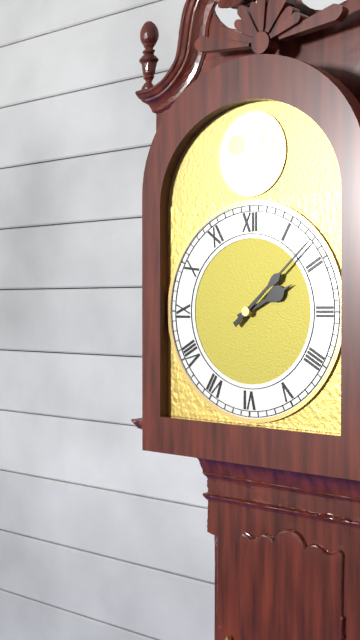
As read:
h=2 m=8
